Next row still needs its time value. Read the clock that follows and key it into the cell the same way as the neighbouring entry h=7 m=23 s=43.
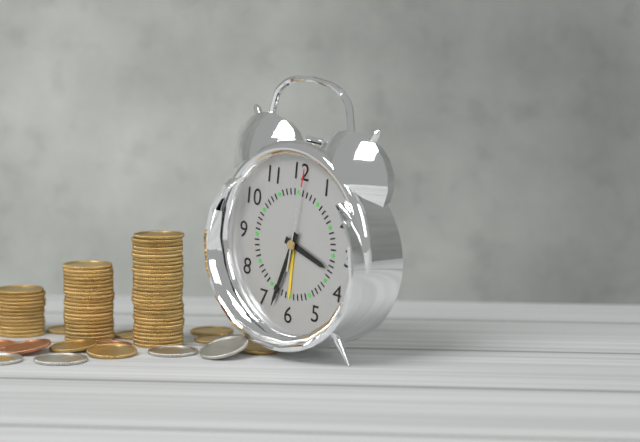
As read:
h=3 m=33 s=1
